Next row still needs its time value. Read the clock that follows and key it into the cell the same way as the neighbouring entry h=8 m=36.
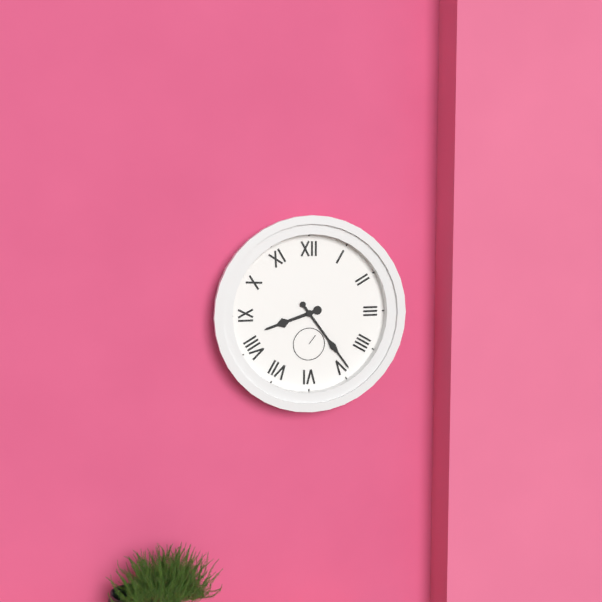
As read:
h=8 m=24
